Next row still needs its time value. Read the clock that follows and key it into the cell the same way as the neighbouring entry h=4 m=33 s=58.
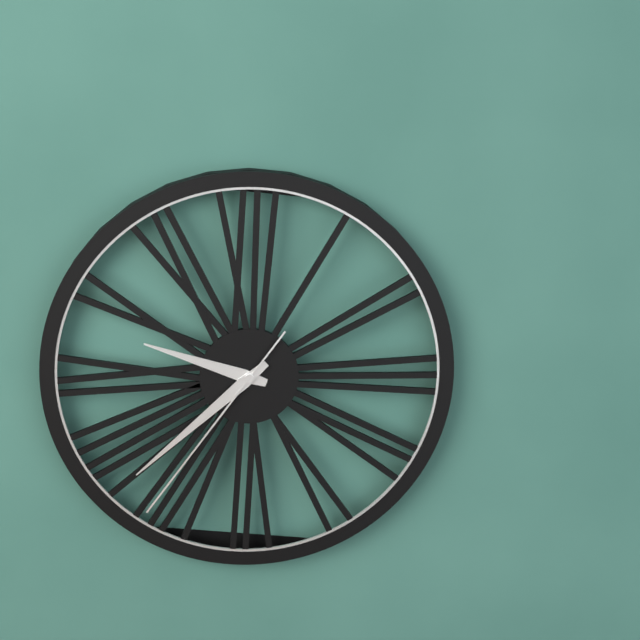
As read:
h=9 m=38 s=36
